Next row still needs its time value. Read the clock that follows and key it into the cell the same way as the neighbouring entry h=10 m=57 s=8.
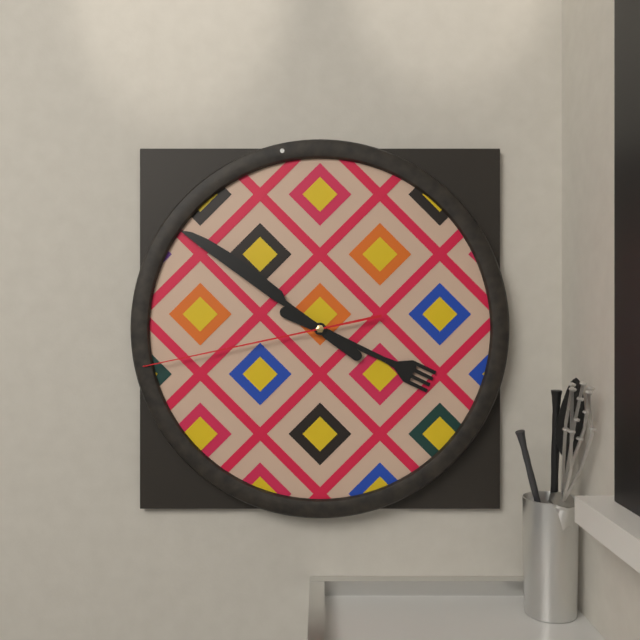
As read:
h=3 m=51 s=43
